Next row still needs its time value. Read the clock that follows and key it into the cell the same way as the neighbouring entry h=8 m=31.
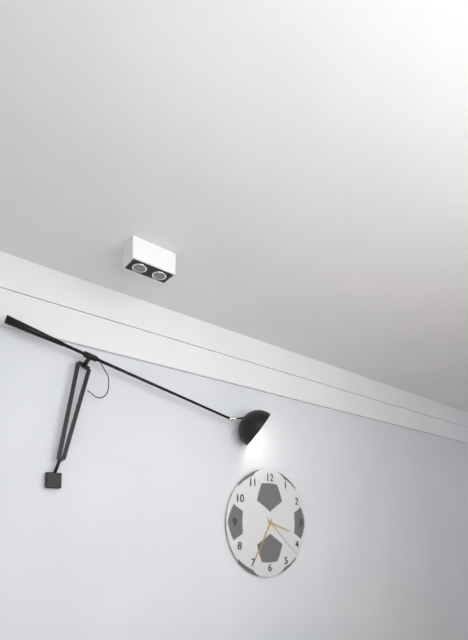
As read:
h=3 m=35
